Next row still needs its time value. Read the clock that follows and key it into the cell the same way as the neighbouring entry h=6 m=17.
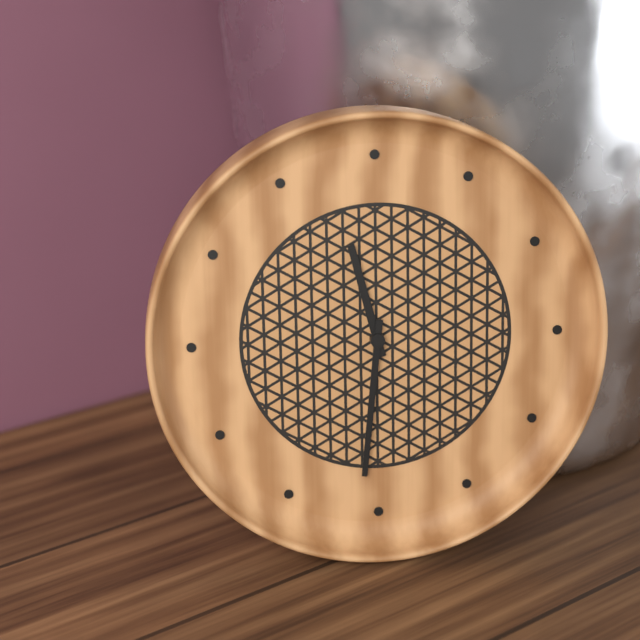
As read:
h=11 m=31
